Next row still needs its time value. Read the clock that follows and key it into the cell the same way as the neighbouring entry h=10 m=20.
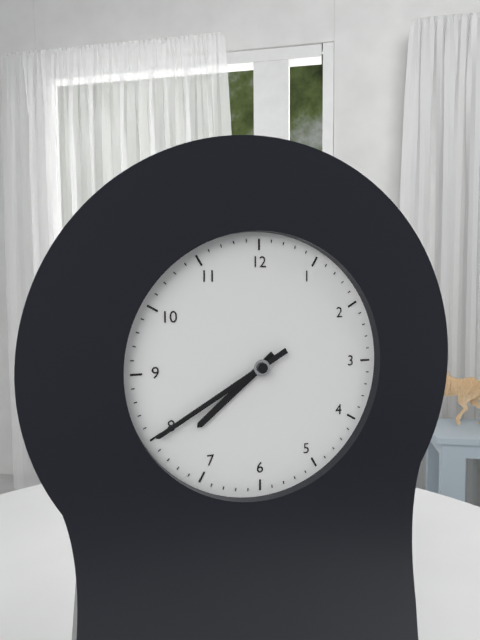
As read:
h=7 m=40
